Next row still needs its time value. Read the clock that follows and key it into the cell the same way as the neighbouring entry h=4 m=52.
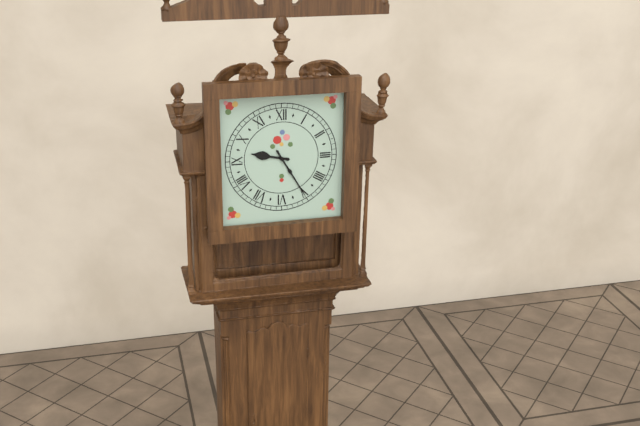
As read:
h=9 m=25
